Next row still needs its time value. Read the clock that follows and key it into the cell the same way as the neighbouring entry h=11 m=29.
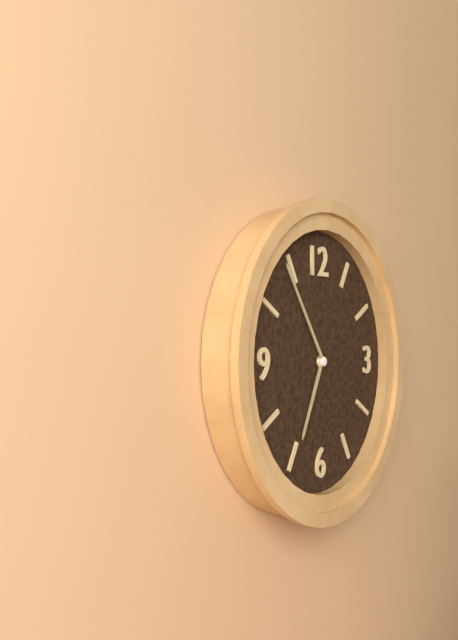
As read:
h=6 m=54
